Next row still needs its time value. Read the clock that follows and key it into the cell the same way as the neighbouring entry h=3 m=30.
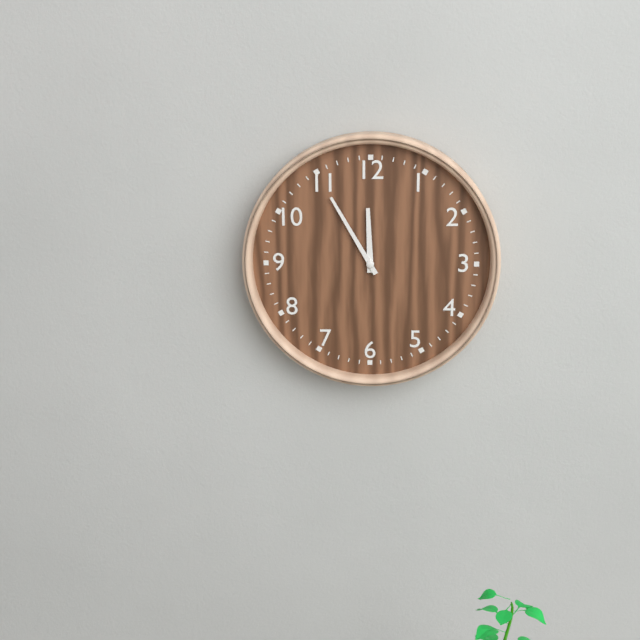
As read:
h=11 m=55
